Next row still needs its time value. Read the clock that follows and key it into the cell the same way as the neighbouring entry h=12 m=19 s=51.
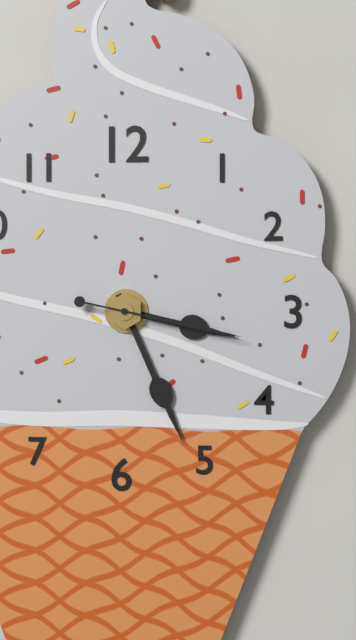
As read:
h=3 m=26 s=17
